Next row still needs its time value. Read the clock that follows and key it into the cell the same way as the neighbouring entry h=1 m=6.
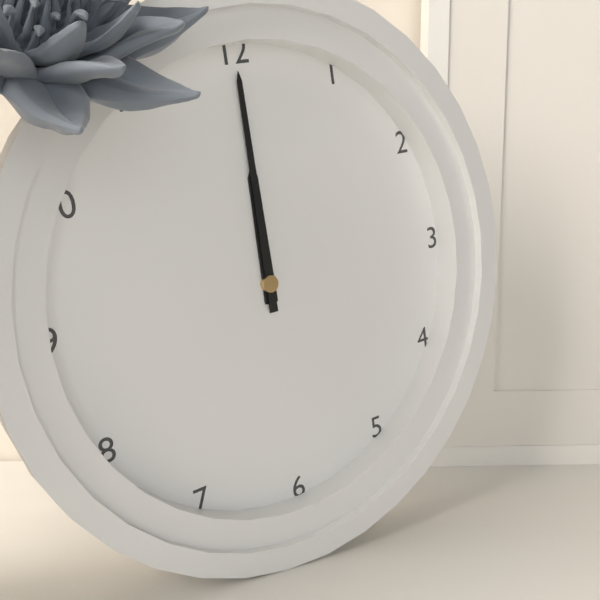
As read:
h=12 m=0
